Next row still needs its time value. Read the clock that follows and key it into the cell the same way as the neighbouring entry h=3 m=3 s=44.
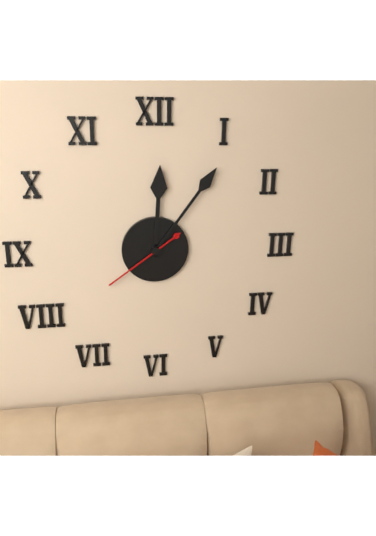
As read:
h=12 m=6 s=39
